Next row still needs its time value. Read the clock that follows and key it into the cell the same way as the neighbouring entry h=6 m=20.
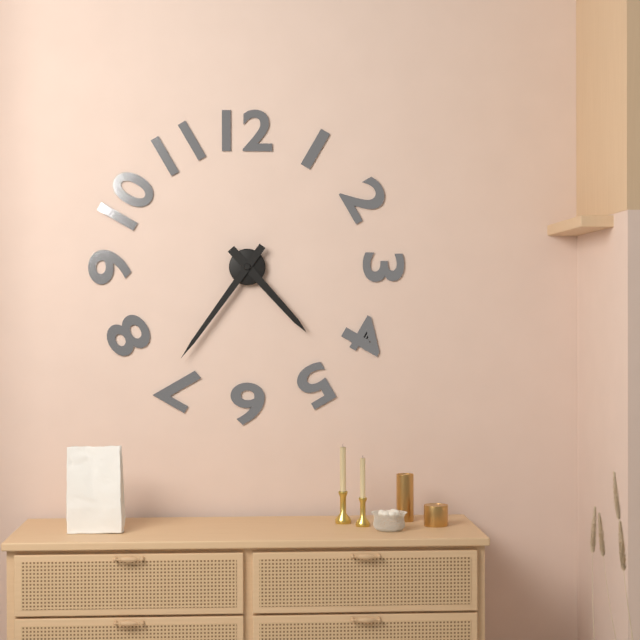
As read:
h=4 m=36
